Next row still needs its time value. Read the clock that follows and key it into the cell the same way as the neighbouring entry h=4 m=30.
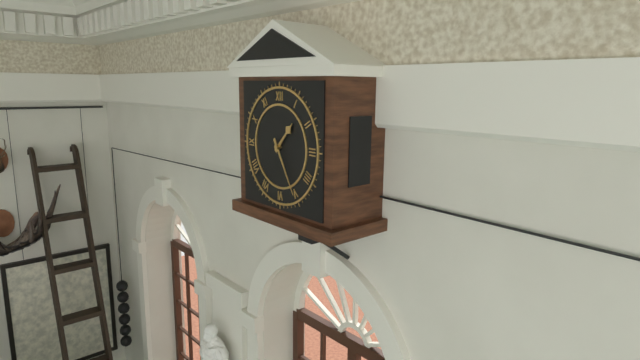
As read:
h=1 m=25
